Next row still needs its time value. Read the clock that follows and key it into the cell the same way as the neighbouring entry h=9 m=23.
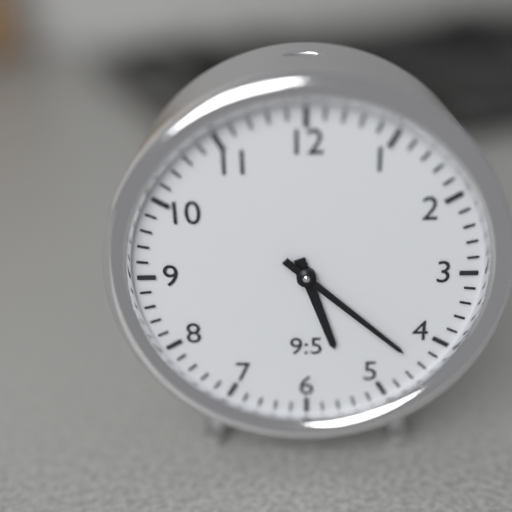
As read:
h=5 m=22
